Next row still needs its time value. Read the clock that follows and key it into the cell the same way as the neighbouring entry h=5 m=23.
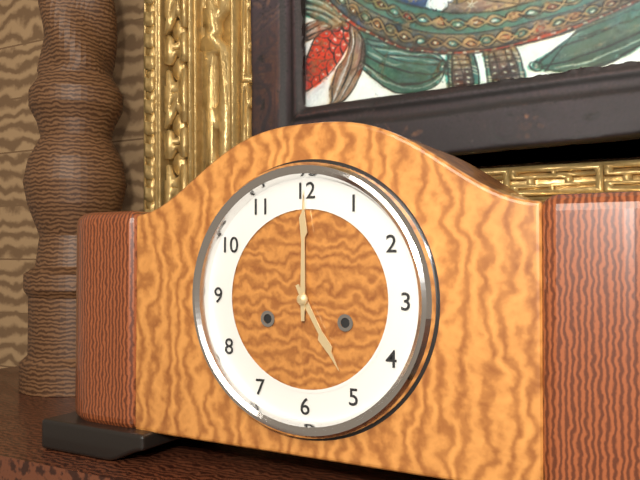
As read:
h=5 m=0
